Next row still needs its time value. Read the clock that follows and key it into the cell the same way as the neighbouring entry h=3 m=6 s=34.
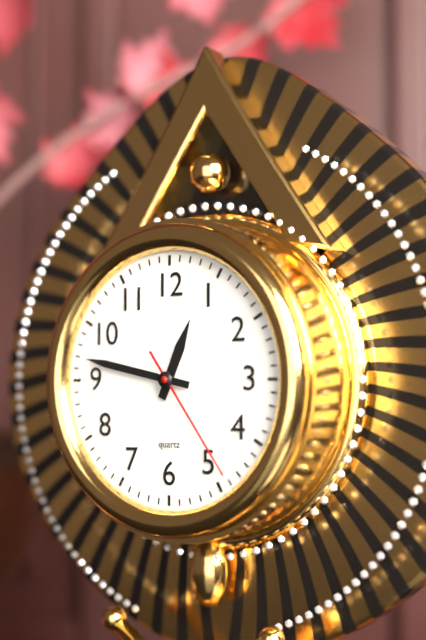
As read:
h=12 m=47 s=24
